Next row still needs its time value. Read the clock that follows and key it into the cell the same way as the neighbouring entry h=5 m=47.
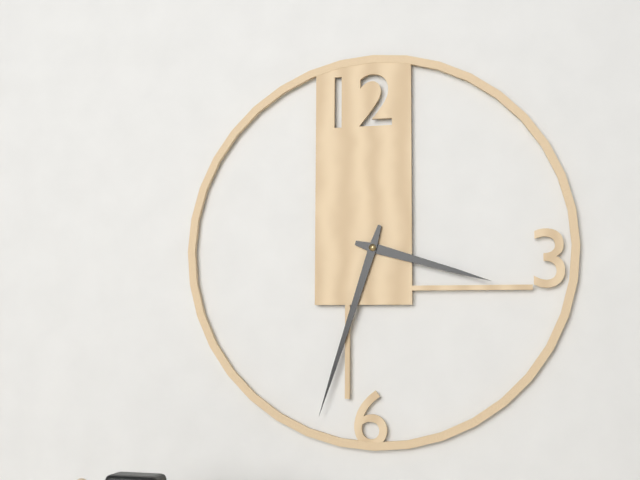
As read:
h=3 m=33
